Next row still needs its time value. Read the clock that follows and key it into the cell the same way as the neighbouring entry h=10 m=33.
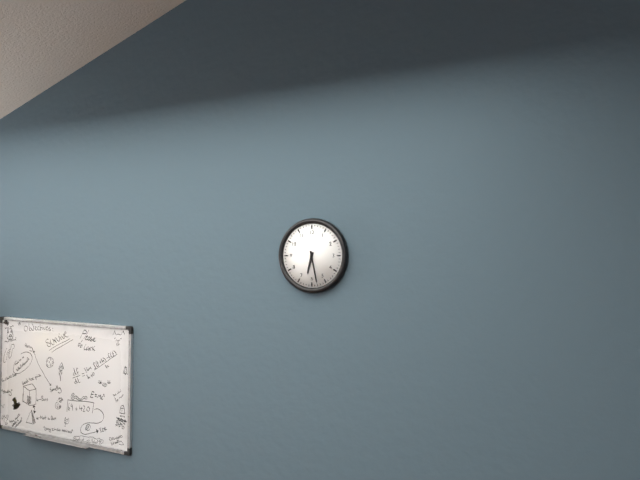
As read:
h=6 m=28
